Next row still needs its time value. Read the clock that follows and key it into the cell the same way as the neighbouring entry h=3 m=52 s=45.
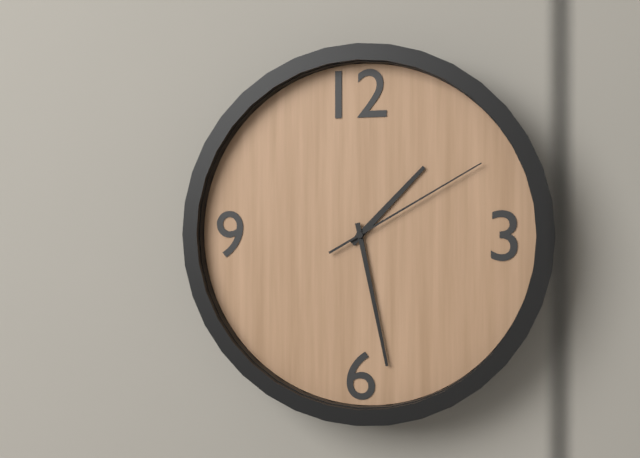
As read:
h=1 m=28 s=10
